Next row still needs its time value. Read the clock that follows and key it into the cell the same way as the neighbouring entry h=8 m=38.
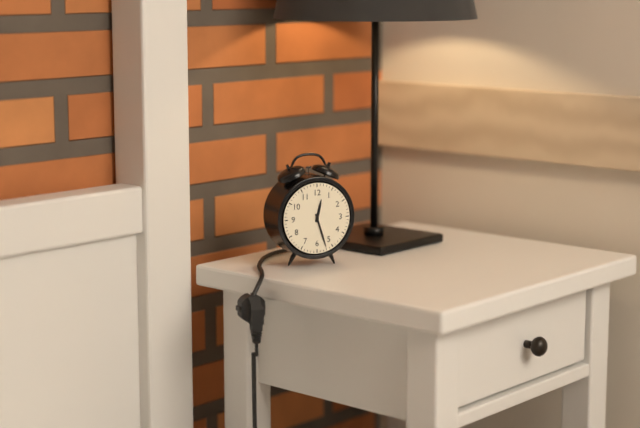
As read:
h=12 m=27
